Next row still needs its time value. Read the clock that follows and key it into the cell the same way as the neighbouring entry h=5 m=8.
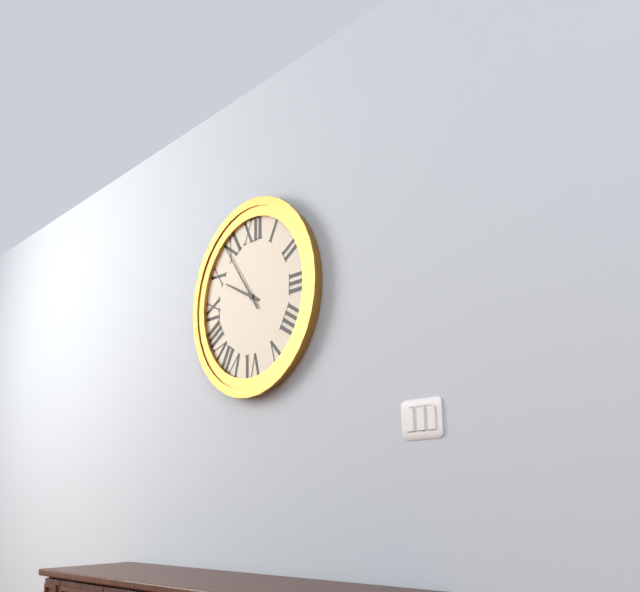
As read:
h=9 m=54
